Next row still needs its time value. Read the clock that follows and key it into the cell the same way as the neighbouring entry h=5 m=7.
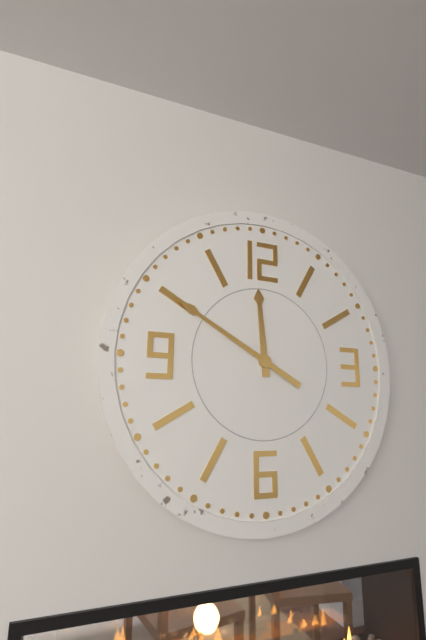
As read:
h=11 m=50
